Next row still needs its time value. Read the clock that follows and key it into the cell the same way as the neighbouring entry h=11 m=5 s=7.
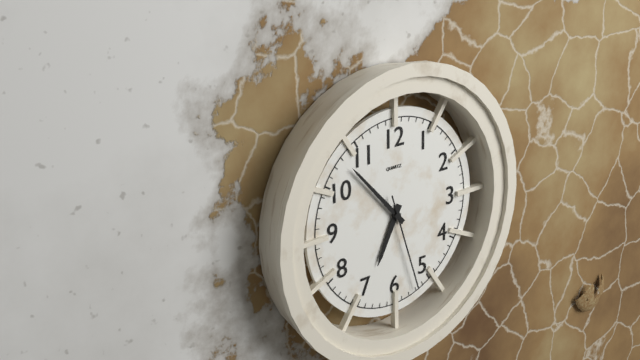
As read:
h=6 m=53 s=27
